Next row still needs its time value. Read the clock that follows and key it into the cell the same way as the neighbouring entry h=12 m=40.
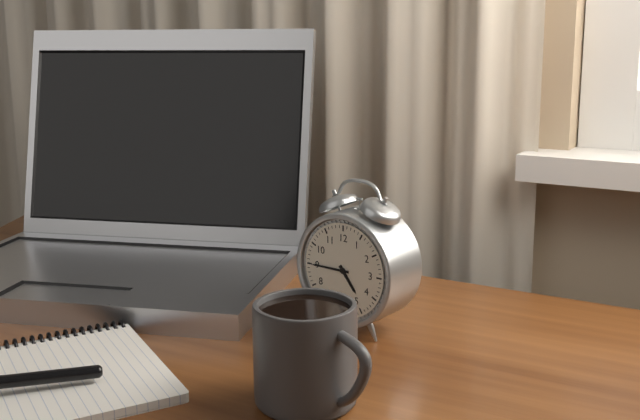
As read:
h=4 m=45
